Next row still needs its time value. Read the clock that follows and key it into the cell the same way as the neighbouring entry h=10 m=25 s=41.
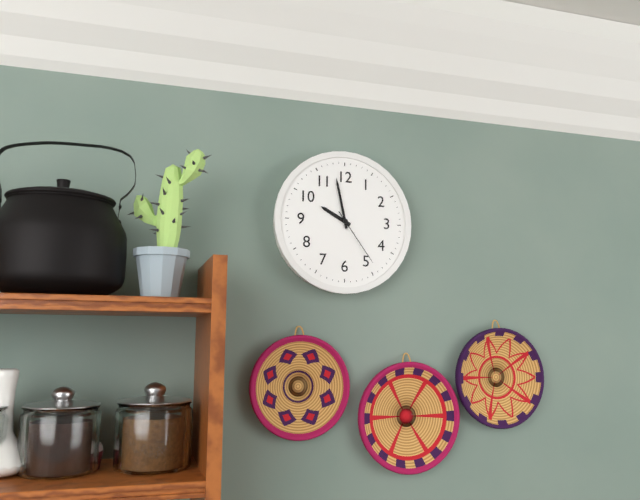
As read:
h=9 m=58 s=24
